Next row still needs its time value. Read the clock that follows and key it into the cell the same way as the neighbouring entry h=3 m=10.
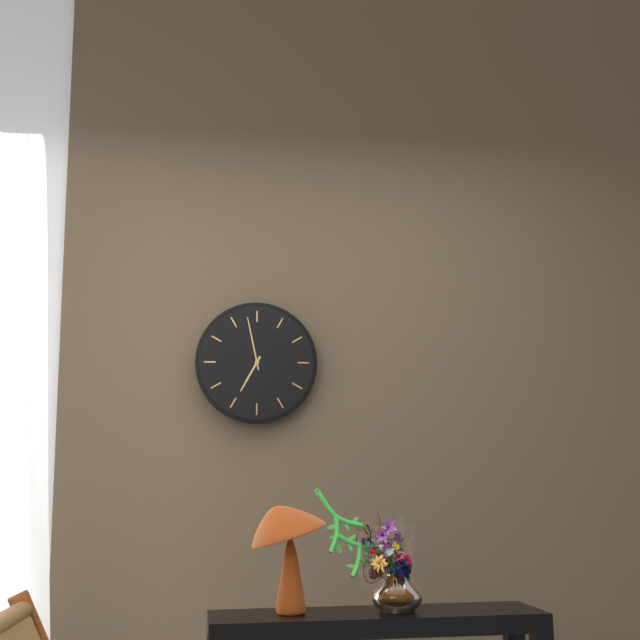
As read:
h=6 m=58
